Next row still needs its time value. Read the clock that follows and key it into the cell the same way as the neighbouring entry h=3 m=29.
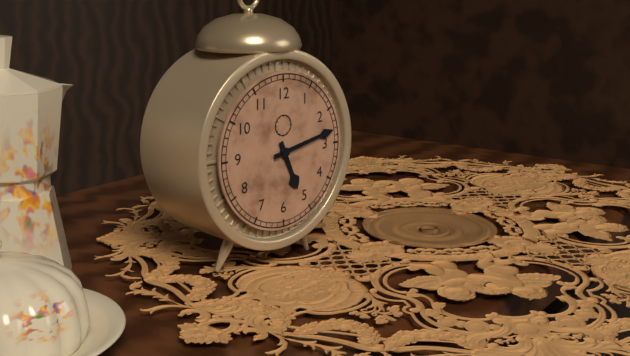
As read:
h=5 m=13
